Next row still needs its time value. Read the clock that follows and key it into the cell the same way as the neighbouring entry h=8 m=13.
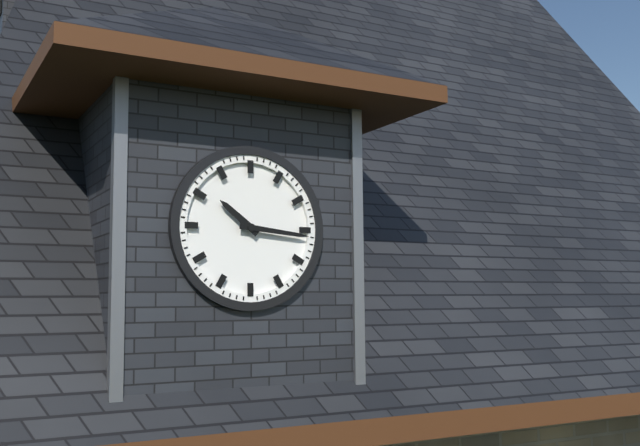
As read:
h=10 m=16
